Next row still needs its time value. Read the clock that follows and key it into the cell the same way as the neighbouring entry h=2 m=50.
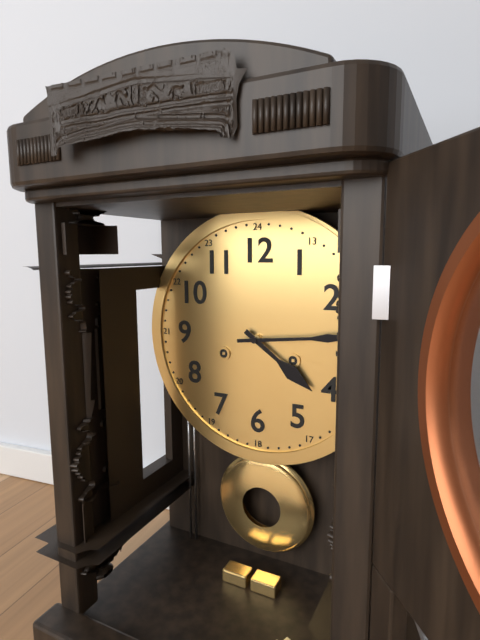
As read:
h=4 m=14
